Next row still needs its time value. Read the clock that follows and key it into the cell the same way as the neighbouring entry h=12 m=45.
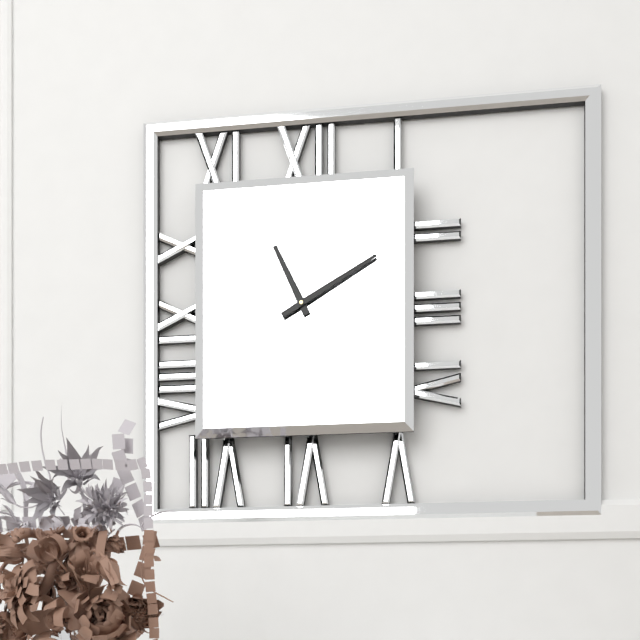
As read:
h=11 m=10
